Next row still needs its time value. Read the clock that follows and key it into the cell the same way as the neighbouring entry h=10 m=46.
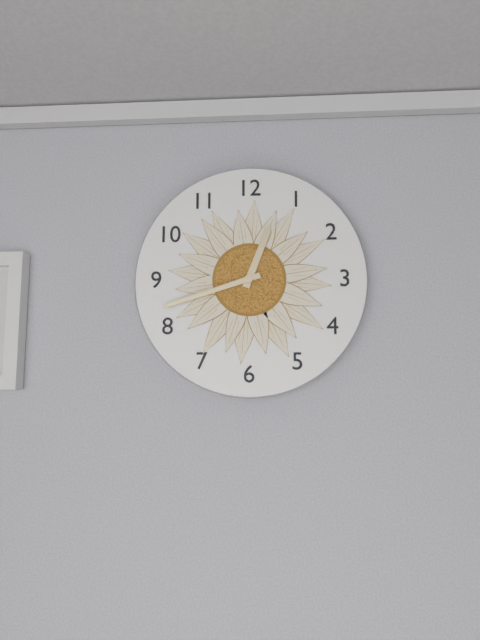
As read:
h=12 m=42
